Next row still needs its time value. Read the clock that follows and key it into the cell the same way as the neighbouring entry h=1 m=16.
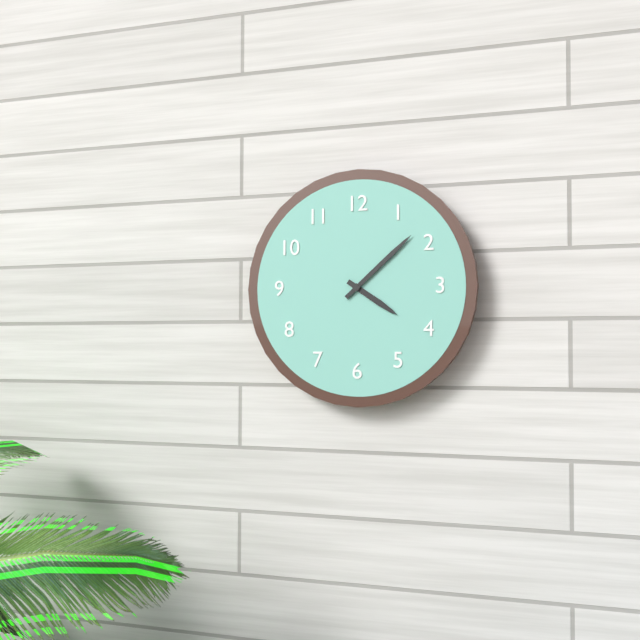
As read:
h=4 m=8
